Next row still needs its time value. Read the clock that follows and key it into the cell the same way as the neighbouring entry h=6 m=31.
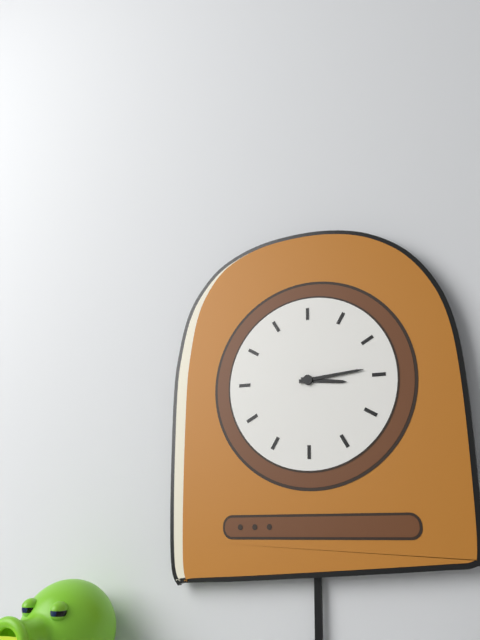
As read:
h=3 m=14
